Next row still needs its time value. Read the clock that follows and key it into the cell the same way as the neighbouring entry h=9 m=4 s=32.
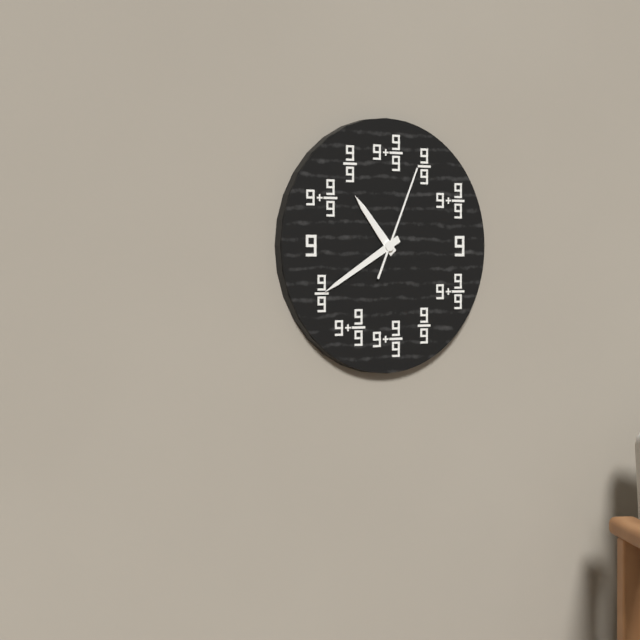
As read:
h=10 m=40 s=4
